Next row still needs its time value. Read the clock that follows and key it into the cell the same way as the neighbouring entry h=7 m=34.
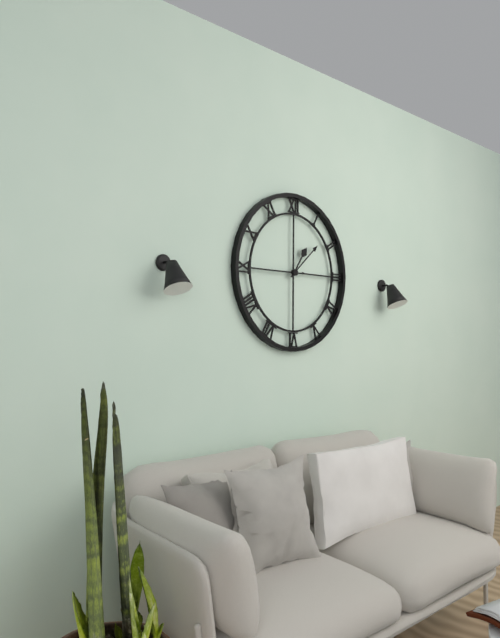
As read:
h=1 m=8
